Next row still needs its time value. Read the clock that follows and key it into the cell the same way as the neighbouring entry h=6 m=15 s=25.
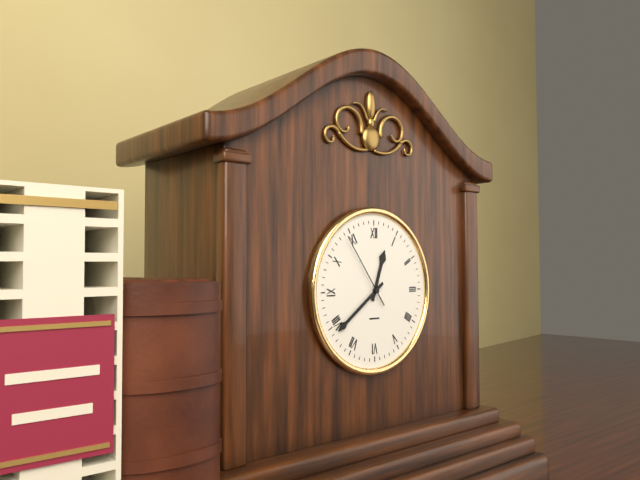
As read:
h=12 m=39 s=54
